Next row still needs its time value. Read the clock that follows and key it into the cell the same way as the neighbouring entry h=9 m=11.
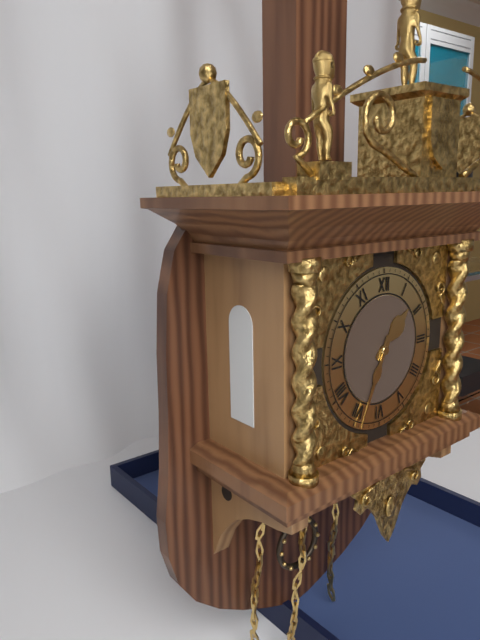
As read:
h=1 m=34
